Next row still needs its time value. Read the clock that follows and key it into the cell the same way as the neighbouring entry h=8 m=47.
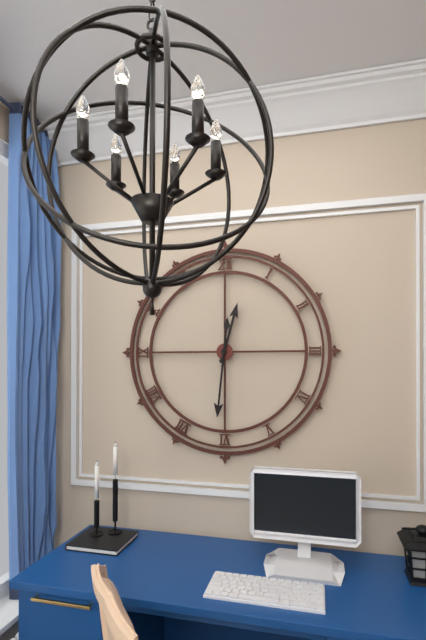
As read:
h=12 m=31
